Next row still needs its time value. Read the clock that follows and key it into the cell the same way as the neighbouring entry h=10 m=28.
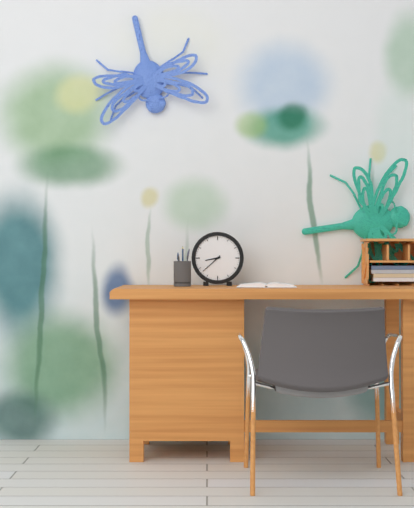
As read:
h=8 m=38
